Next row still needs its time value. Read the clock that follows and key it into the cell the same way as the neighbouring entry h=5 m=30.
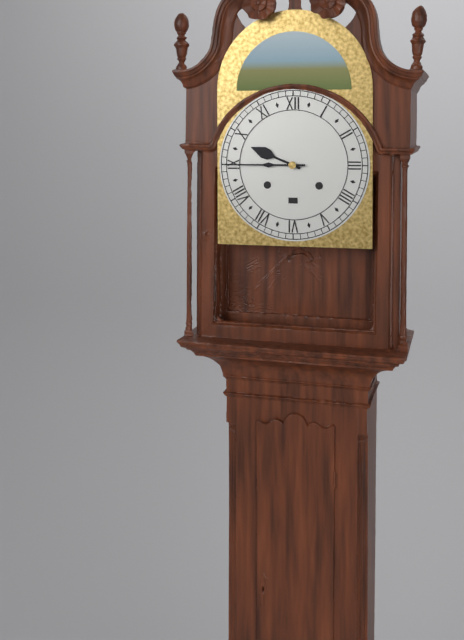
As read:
h=9 m=45
